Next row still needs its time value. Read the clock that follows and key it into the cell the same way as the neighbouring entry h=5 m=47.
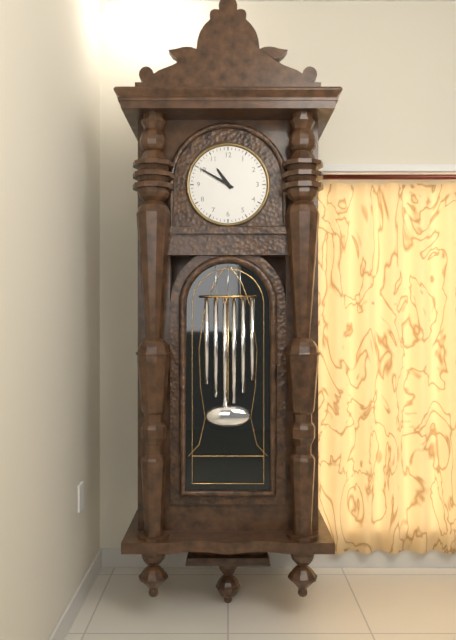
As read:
h=10 m=50
